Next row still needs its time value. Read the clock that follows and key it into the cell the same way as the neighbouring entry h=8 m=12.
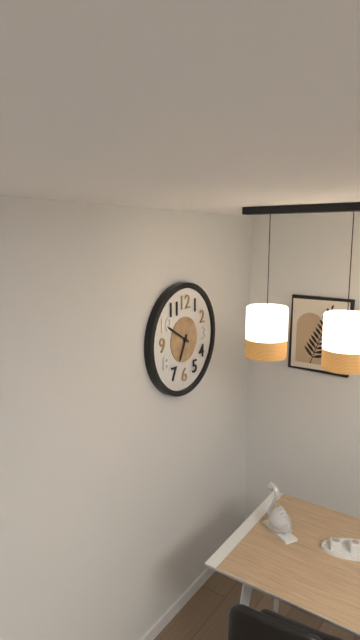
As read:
h=6 m=50
